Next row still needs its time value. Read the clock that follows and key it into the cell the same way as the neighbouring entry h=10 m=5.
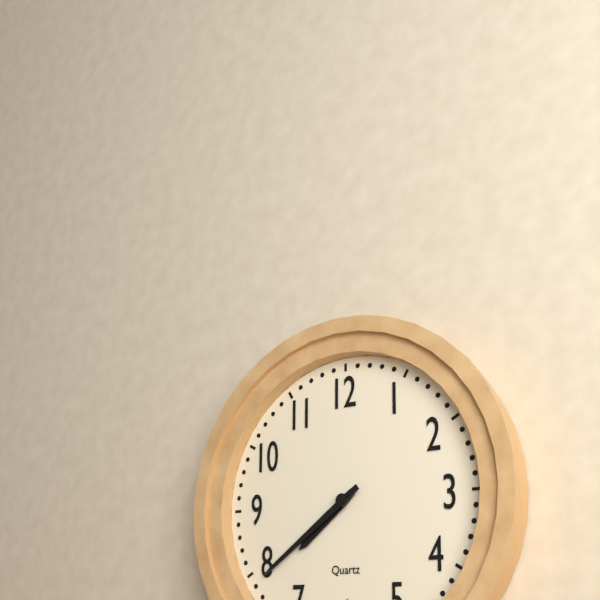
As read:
h=7 m=39
